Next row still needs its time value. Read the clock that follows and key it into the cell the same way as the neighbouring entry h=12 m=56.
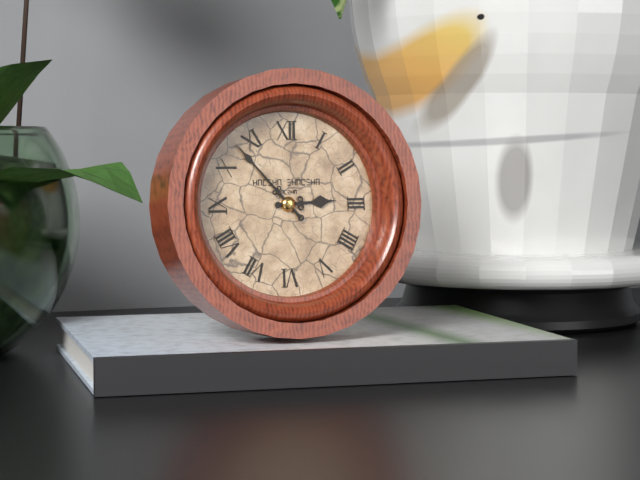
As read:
h=2 m=53
